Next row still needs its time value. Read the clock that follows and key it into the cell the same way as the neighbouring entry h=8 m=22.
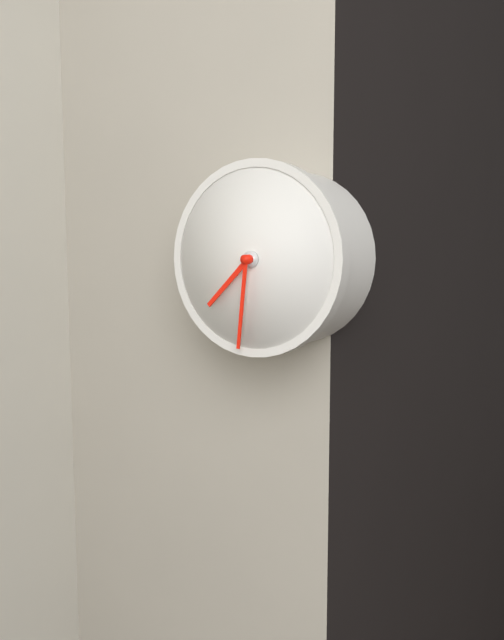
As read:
h=7 m=31
